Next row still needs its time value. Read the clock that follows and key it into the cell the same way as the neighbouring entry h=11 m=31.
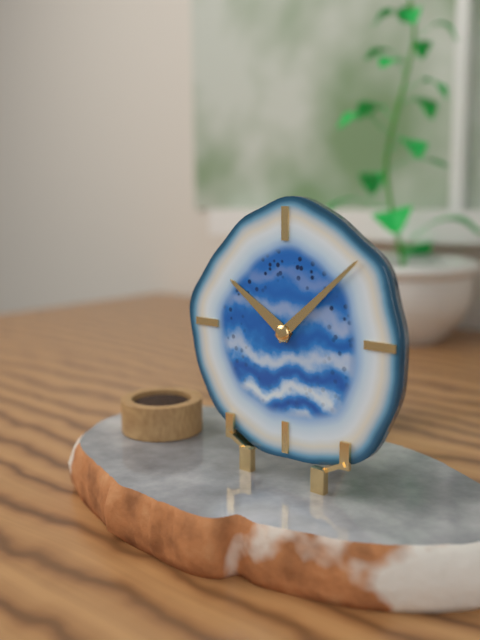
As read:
h=10 m=8
